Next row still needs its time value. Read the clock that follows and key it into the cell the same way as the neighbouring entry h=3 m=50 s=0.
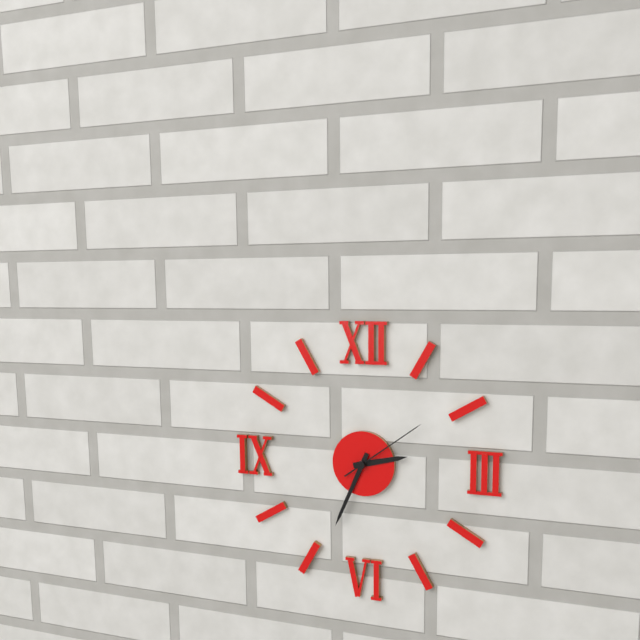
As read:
h=2 m=34 s=9
